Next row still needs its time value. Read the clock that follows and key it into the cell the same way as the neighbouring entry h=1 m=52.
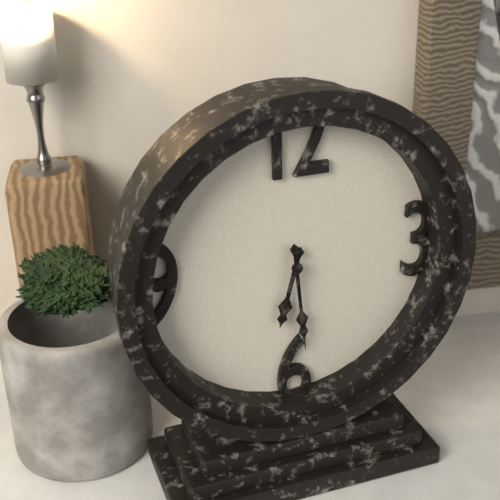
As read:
h=6 m=29
